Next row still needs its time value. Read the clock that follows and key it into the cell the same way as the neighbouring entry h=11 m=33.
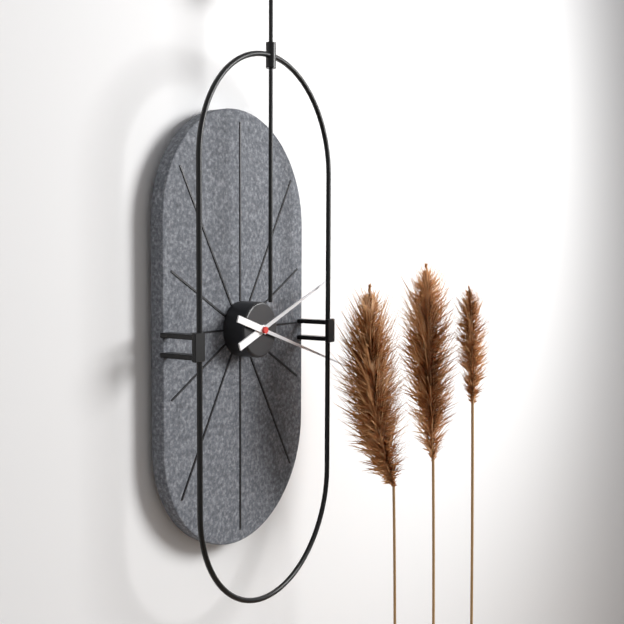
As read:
h=2 m=18
